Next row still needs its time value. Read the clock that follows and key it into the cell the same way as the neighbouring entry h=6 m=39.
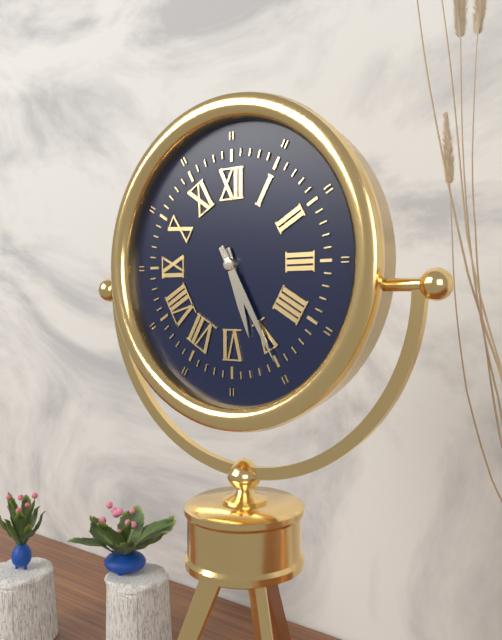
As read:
h=5 m=25
